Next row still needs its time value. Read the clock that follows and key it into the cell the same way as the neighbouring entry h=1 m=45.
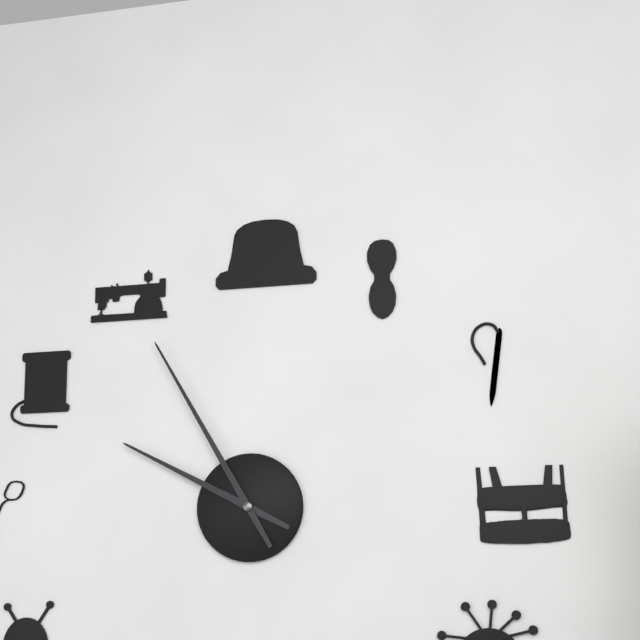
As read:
h=9 m=55
